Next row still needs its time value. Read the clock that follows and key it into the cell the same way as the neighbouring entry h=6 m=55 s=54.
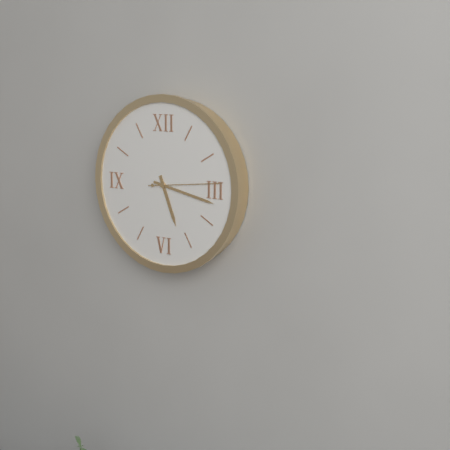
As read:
h=5 m=17 s=14
